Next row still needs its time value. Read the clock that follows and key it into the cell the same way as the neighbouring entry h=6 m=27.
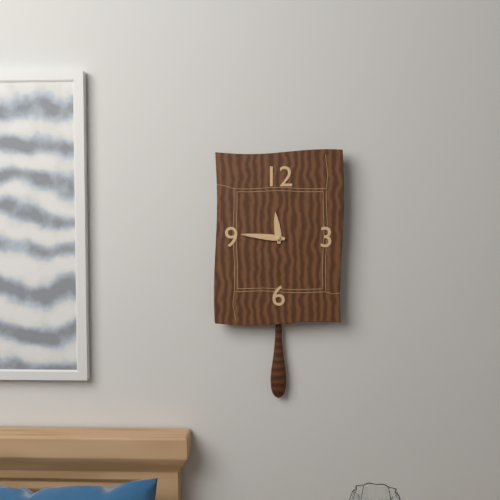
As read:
h=11 m=46
